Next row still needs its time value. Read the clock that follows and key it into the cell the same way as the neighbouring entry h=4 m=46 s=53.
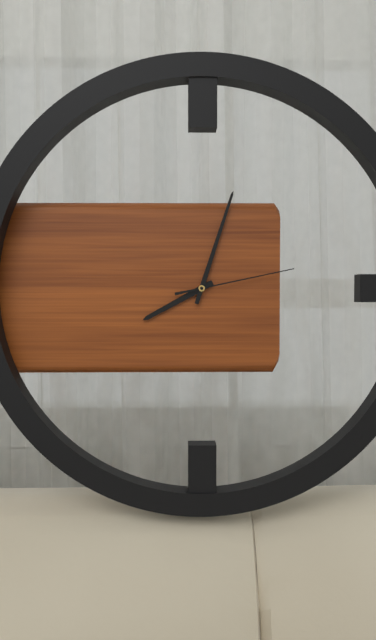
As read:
h=8 m=3 s=13
